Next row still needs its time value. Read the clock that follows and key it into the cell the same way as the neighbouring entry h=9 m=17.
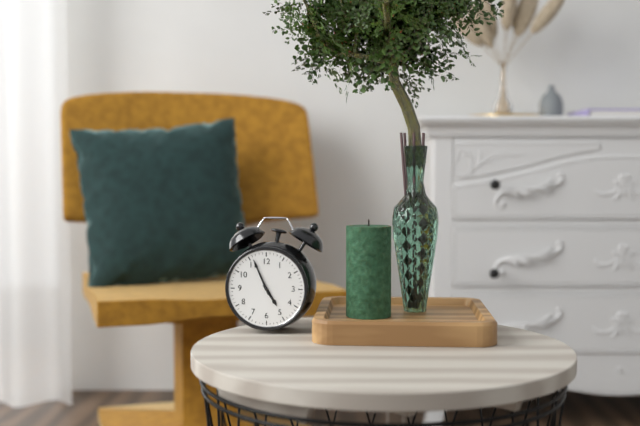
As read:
h=4 m=56
